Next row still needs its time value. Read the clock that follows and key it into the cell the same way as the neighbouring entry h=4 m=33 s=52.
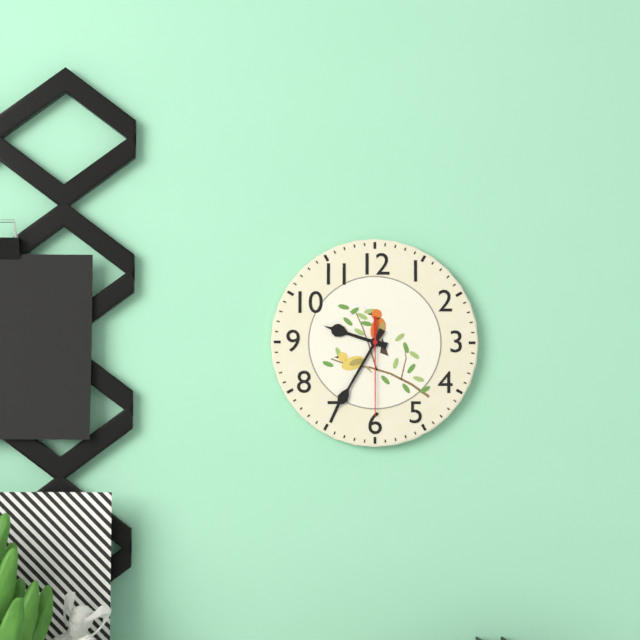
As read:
h=9 m=35 s=30
